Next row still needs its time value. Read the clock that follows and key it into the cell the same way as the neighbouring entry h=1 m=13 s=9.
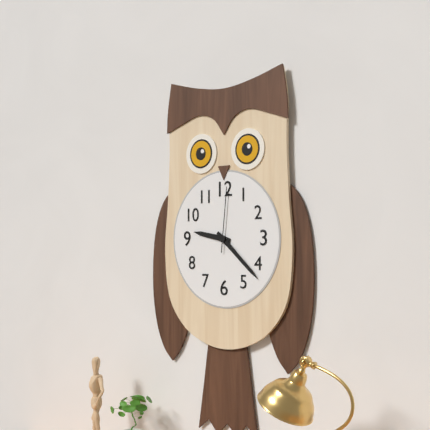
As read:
h=9 m=22 s=1
